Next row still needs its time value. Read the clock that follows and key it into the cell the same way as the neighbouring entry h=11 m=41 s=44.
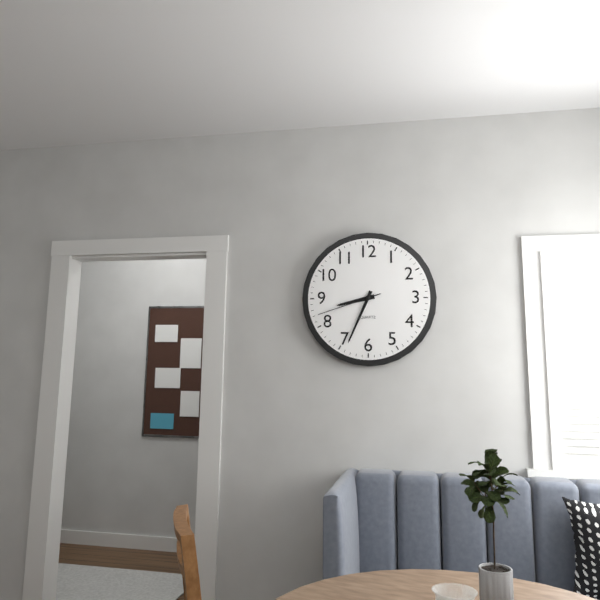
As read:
h=8 m=34 s=42
